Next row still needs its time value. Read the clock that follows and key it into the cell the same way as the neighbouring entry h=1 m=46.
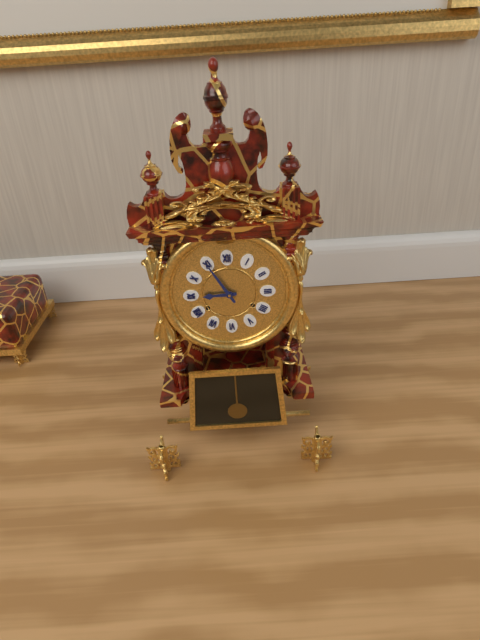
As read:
h=8 m=55
